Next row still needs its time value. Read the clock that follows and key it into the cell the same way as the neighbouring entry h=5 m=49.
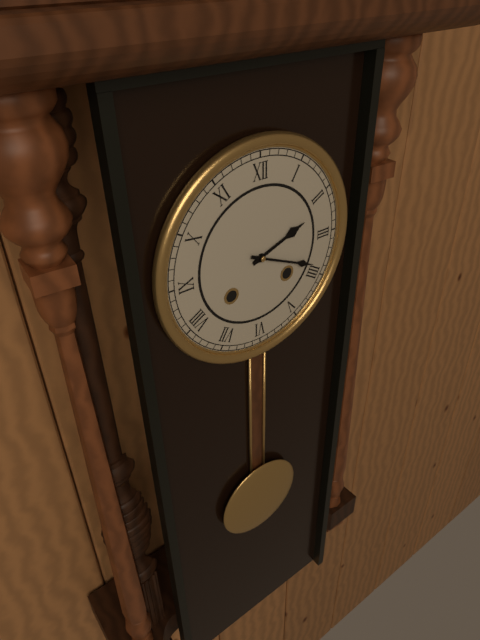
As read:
h=2 m=19
